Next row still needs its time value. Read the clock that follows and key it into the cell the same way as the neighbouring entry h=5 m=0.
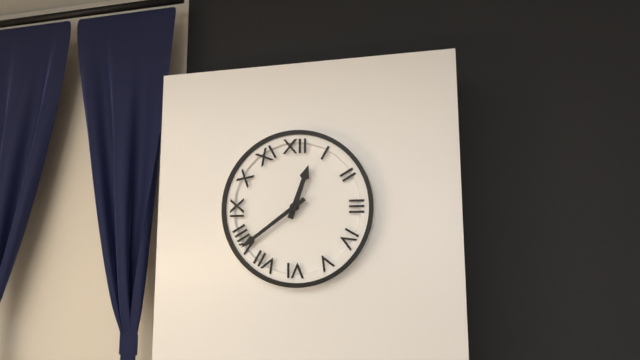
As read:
h=12 m=39
